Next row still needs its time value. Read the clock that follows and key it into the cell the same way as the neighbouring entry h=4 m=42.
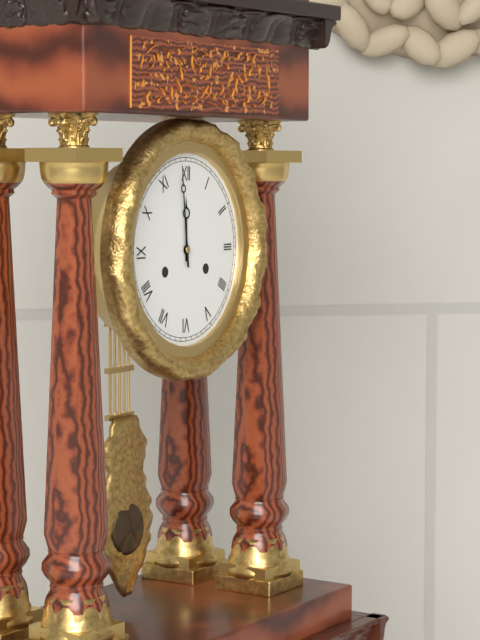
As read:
h=11 m=59
